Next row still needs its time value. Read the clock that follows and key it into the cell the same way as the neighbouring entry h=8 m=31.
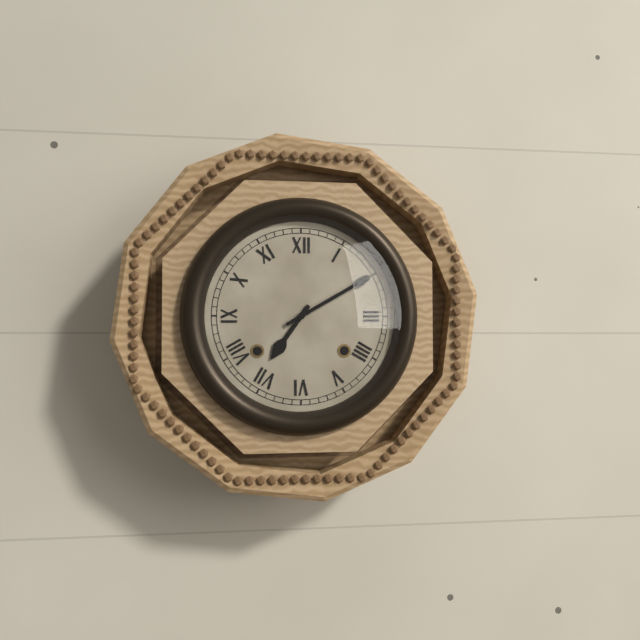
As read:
h=7 m=10
